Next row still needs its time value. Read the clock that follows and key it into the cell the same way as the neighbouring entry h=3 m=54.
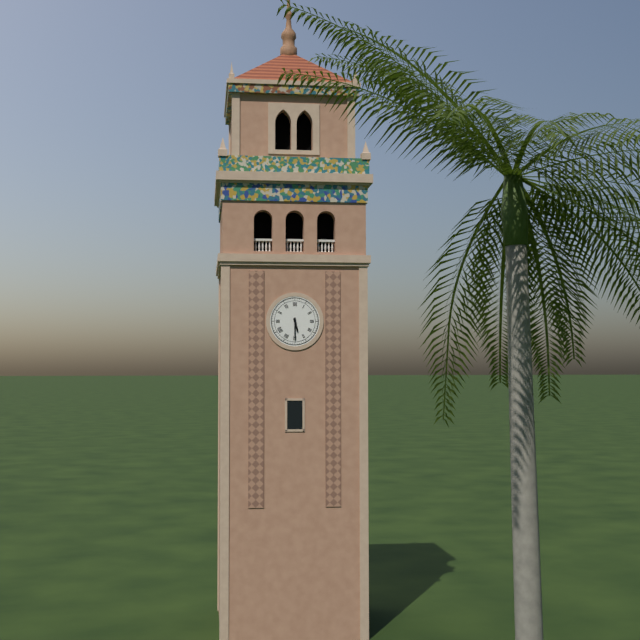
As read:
h=5 m=30
